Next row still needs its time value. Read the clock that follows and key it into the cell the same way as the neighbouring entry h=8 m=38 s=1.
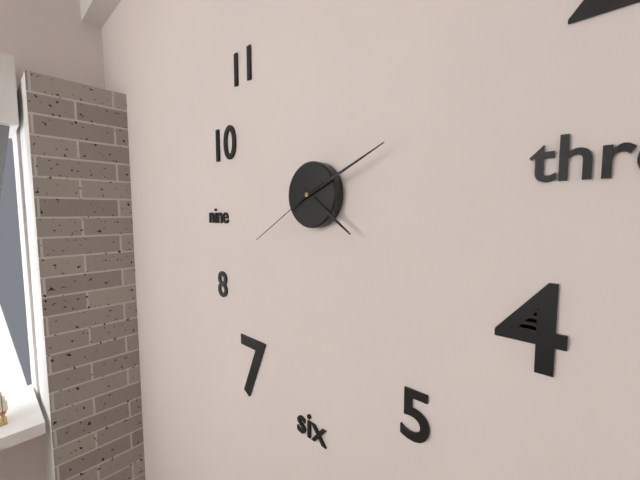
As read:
h=4 m=11 s=40
